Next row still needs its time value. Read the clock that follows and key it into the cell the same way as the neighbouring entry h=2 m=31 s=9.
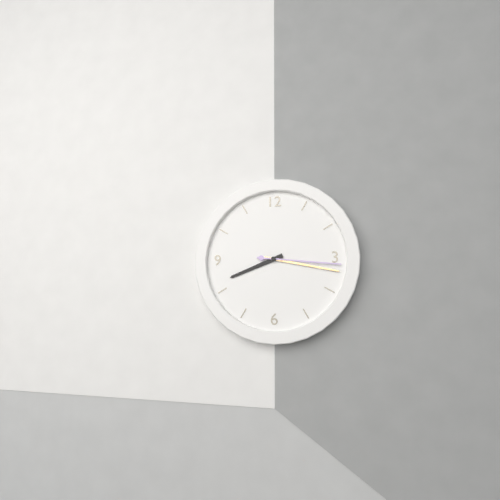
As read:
h=8 m=17 s=16
